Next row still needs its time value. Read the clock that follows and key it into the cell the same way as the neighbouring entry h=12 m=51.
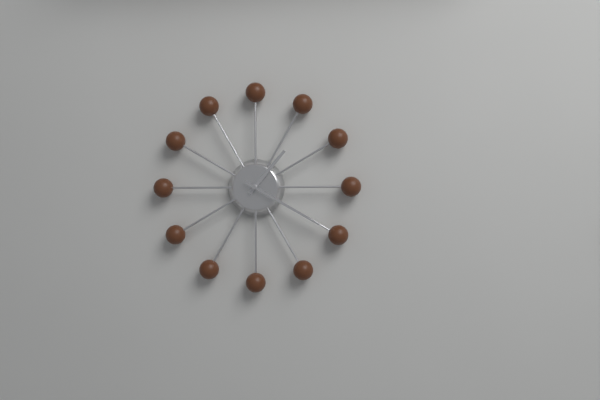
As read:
h=1 m=20
